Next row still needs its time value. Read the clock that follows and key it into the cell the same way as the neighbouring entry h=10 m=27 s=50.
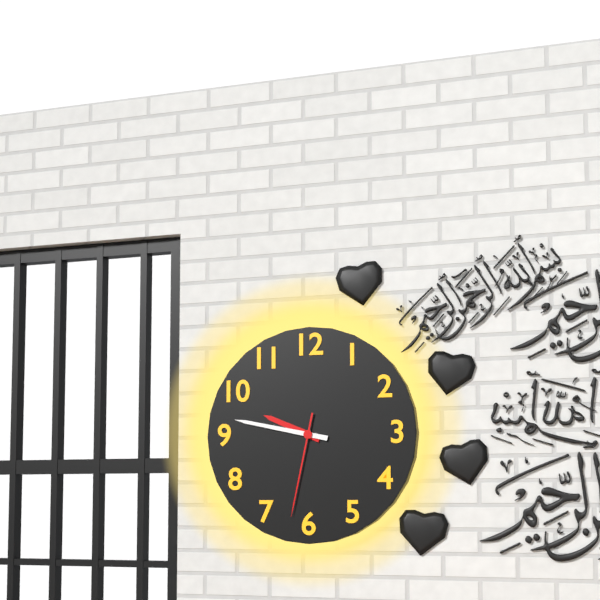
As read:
h=9 m=47 s=32
